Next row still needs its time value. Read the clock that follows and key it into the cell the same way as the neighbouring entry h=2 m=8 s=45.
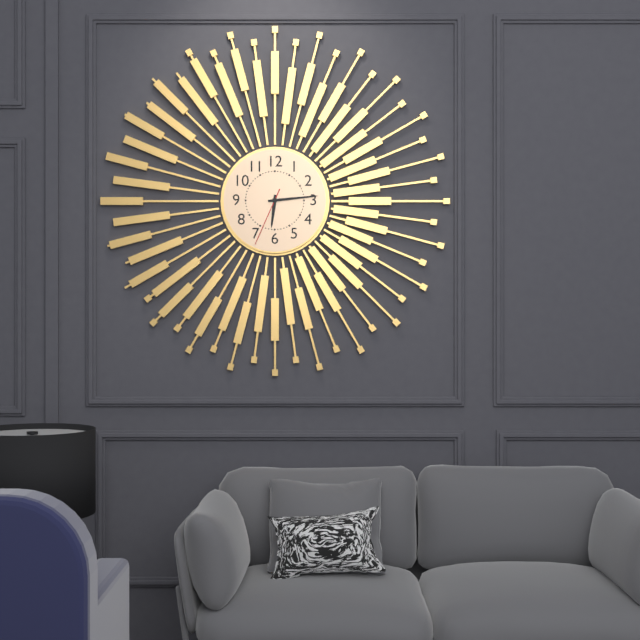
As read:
h=6 m=14 s=34
